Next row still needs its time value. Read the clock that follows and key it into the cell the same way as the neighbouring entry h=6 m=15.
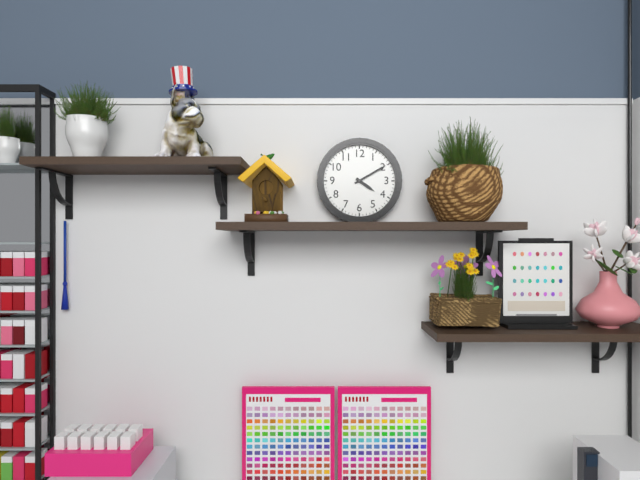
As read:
h=4 m=10
